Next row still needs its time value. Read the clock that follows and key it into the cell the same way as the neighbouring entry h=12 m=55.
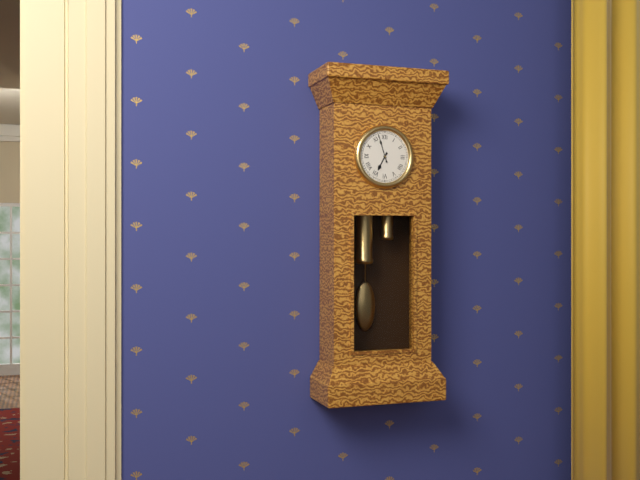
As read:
h=6 m=57
